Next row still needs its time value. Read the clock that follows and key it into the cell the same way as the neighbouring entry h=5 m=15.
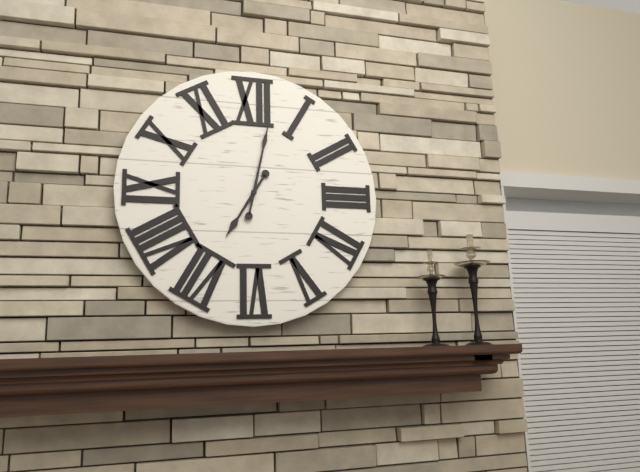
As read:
h=7 m=2
